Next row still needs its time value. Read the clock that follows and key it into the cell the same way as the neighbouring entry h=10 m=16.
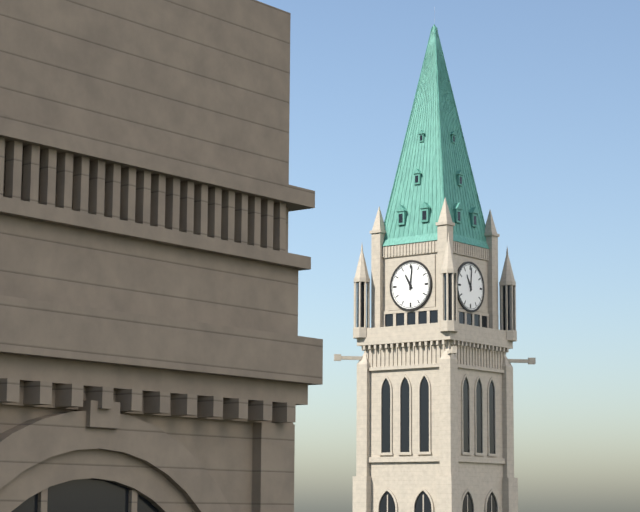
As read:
h=11 m=1
